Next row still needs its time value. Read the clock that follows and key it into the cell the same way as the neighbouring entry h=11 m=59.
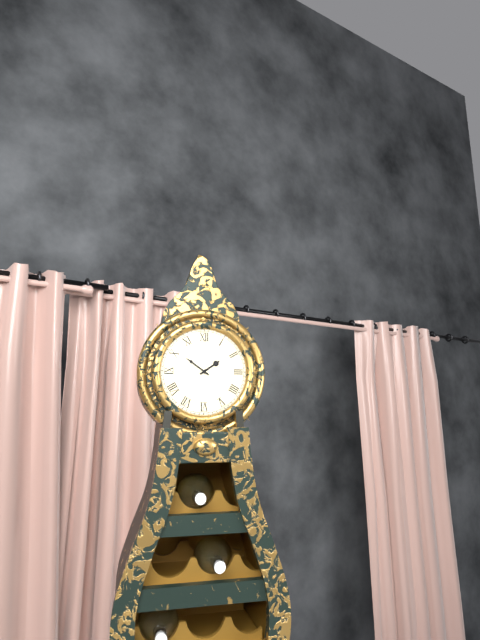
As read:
h=1 m=51
